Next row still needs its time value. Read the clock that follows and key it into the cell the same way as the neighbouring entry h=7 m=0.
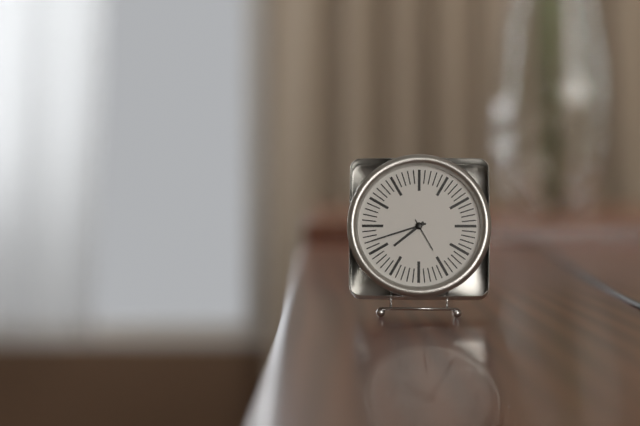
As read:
h=7 m=42
